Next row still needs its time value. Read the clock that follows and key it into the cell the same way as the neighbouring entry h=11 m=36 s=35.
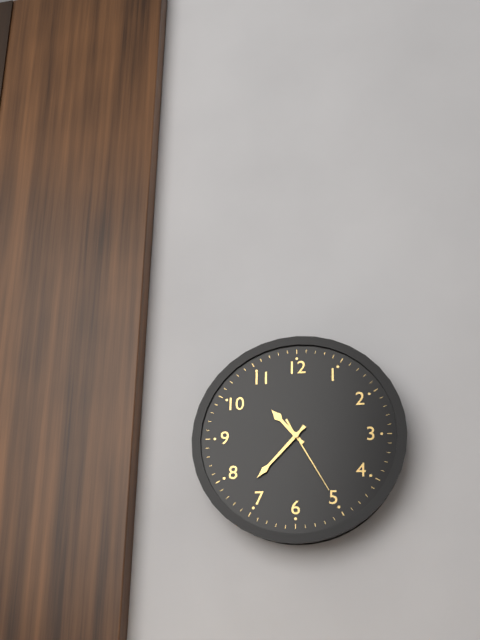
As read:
h=10 m=37 s=25
